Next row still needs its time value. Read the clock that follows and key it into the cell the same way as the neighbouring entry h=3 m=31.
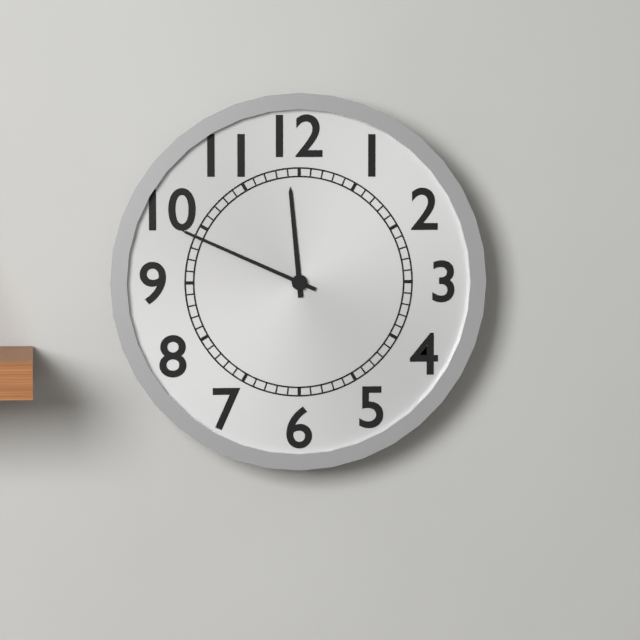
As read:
h=11 m=49
